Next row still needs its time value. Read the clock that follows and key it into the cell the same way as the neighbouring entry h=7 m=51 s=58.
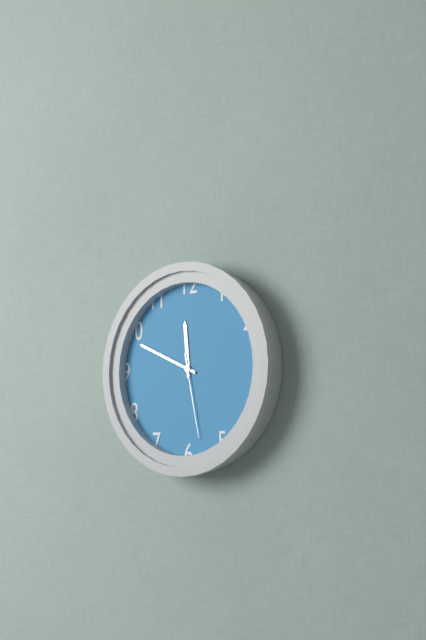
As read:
h=11 m=49 s=28
